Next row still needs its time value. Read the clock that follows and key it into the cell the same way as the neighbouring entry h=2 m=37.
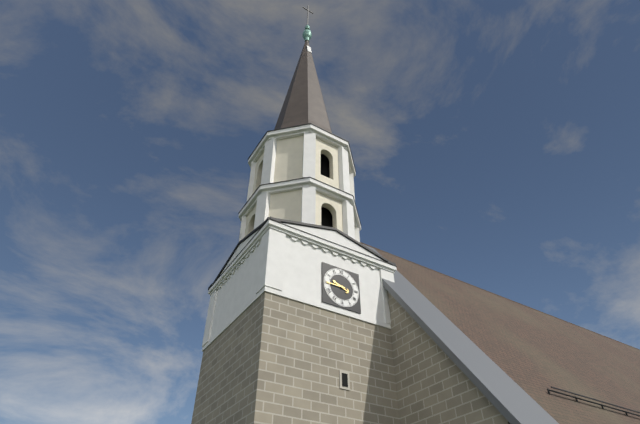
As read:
h=9 m=45
